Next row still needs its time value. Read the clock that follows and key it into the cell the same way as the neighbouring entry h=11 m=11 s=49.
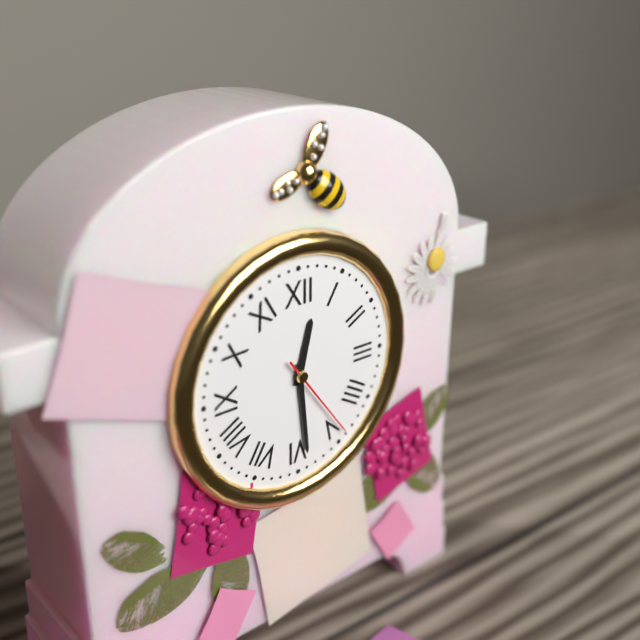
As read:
h=12 m=29 s=24
